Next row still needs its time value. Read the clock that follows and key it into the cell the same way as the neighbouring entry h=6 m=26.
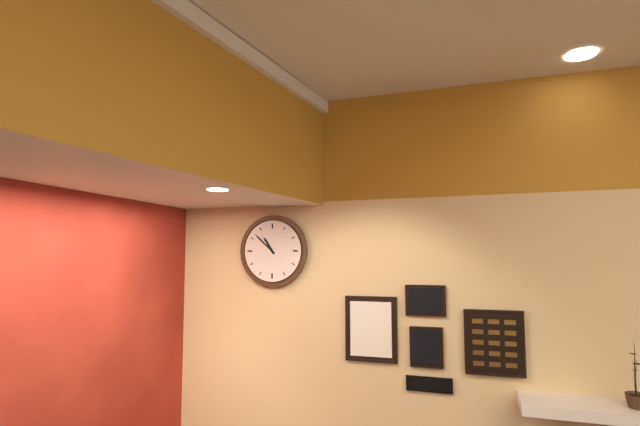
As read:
h=10 m=52
